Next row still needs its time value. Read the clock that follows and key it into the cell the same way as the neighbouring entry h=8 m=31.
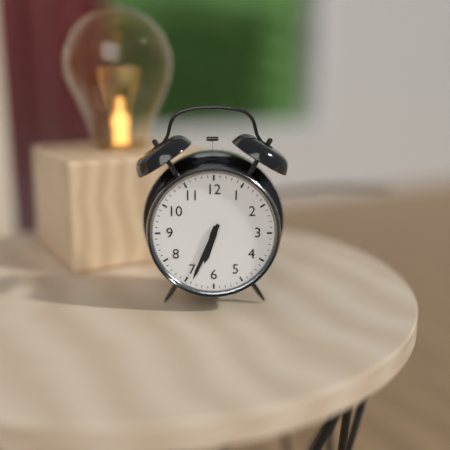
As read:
h=6 m=34
